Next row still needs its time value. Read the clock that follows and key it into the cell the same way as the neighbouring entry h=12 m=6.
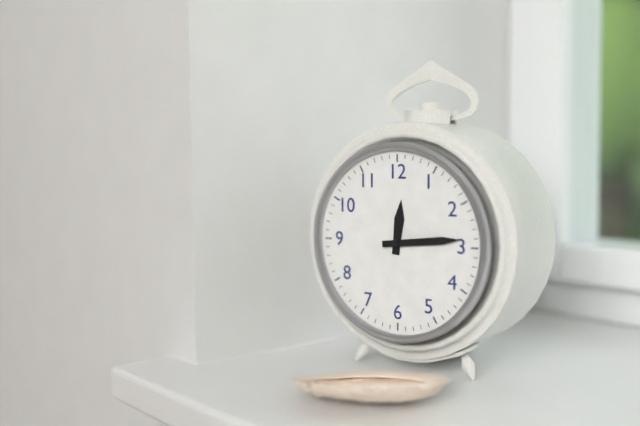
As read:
h=12 m=14
